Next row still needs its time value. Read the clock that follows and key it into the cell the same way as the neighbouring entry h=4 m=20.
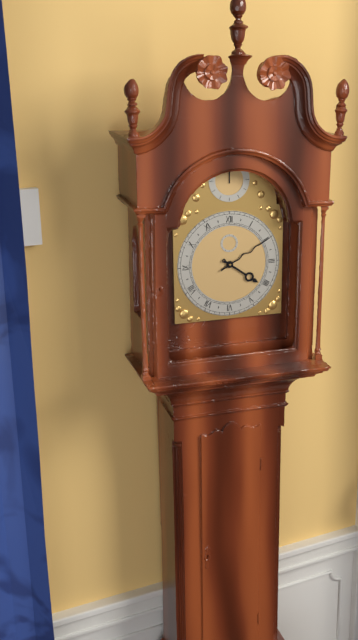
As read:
h=4 m=10
